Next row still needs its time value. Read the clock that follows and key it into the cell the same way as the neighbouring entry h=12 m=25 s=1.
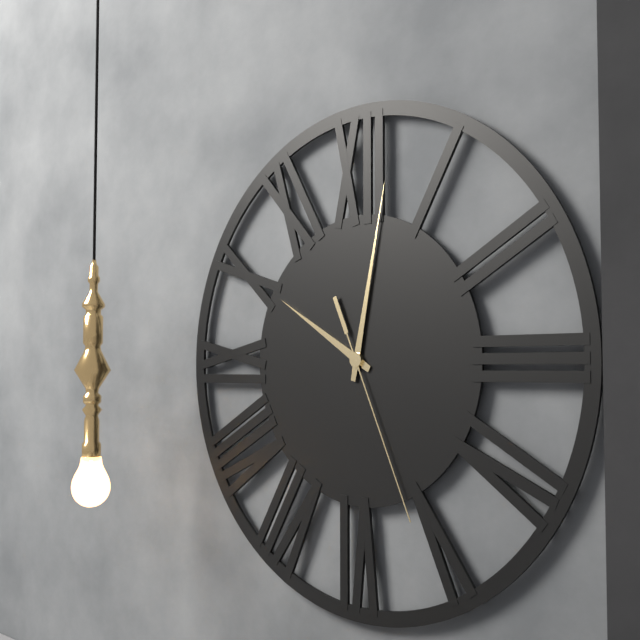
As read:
h=10 m=2 s=26
